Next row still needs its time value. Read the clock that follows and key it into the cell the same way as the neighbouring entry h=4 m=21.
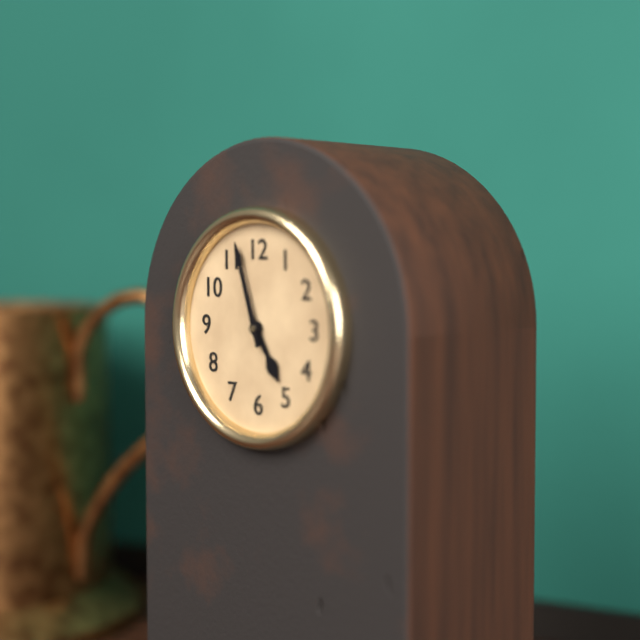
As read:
h=4 m=57
